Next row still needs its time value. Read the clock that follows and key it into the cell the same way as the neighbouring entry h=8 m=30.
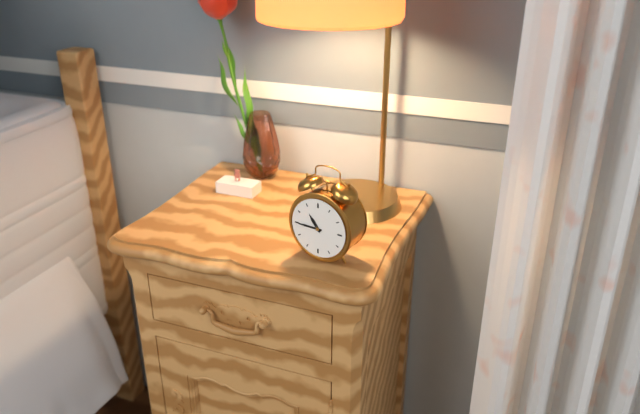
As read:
h=10 m=45
